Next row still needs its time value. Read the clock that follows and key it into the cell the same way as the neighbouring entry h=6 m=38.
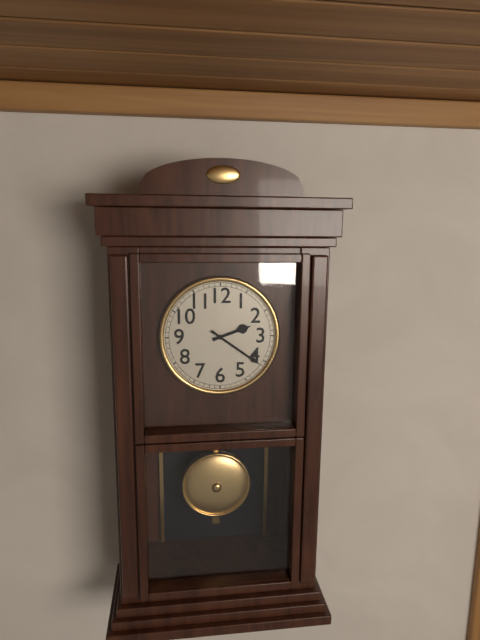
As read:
h=2 m=21
